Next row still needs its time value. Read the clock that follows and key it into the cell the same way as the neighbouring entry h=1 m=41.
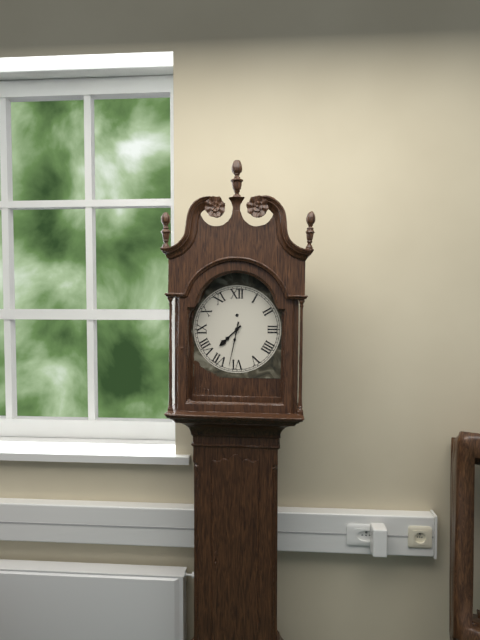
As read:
h=7 m=32
